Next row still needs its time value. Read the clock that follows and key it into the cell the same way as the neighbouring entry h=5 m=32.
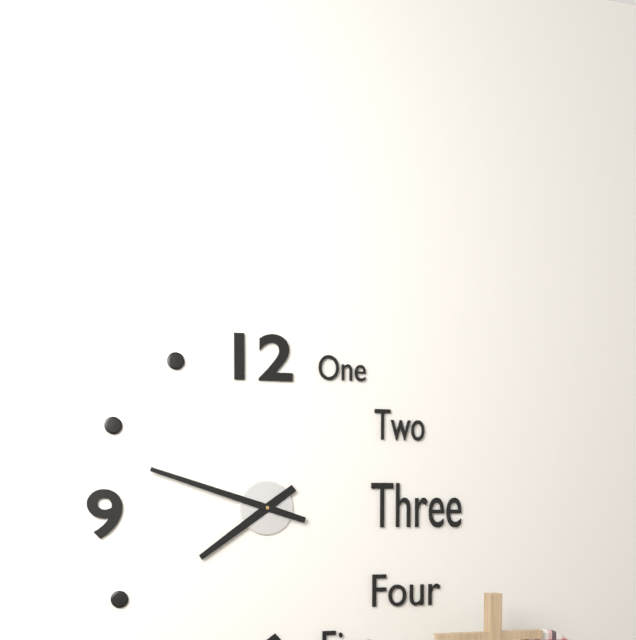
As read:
h=7 m=48
